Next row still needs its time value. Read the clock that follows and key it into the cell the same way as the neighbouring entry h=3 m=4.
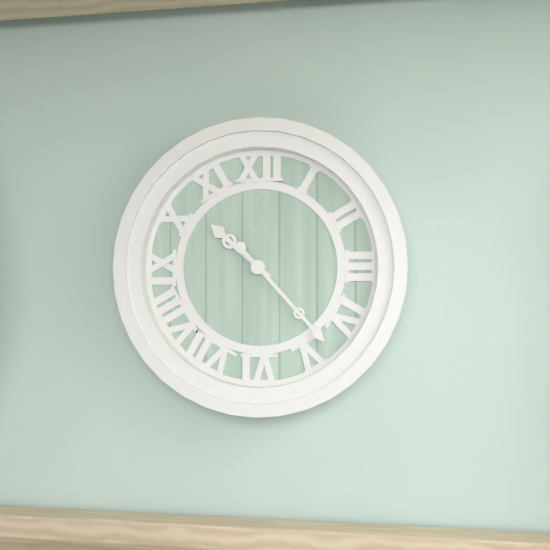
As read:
h=10 m=23
